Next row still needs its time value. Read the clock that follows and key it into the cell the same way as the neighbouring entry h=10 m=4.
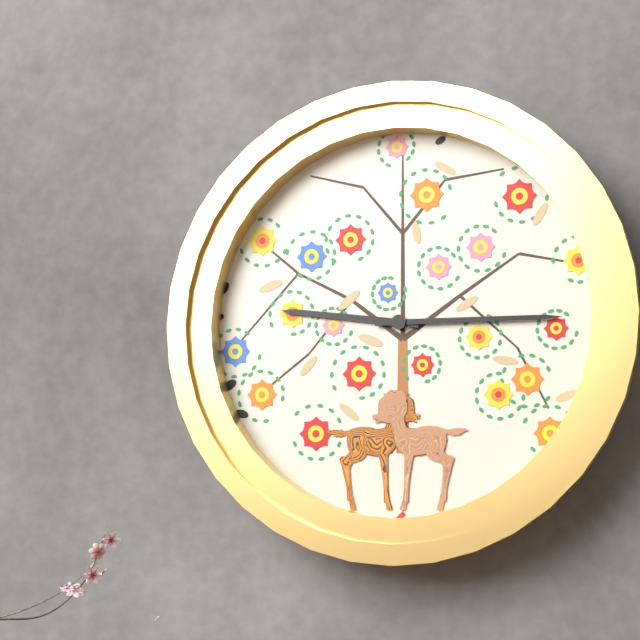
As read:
h=9 m=15
